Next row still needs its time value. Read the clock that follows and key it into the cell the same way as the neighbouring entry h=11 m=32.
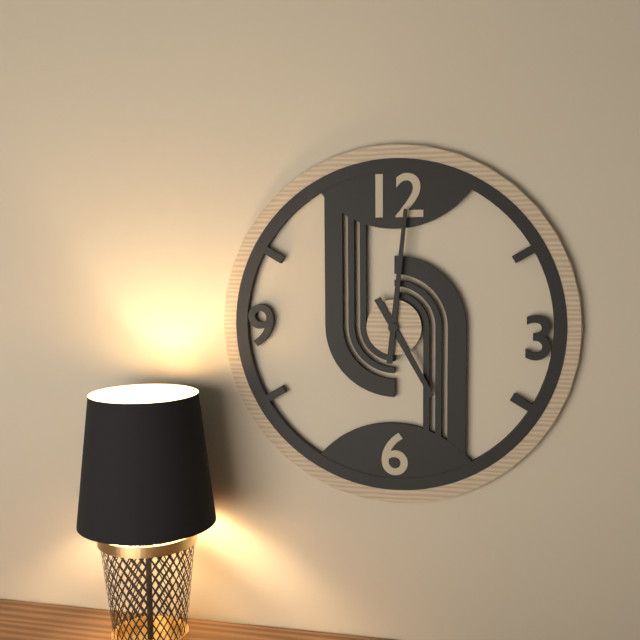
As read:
h=5 m=1
